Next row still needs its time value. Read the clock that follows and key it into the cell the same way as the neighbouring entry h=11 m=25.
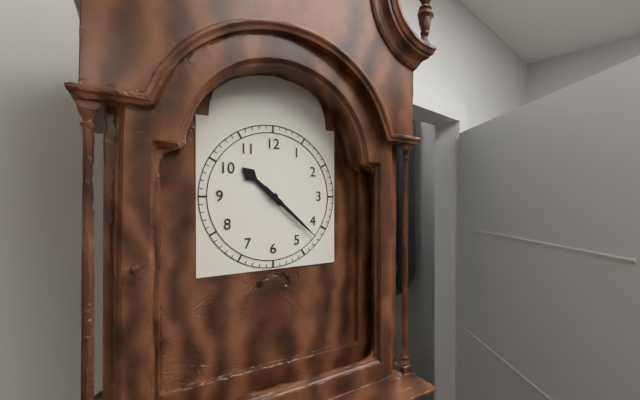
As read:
h=10 m=22
